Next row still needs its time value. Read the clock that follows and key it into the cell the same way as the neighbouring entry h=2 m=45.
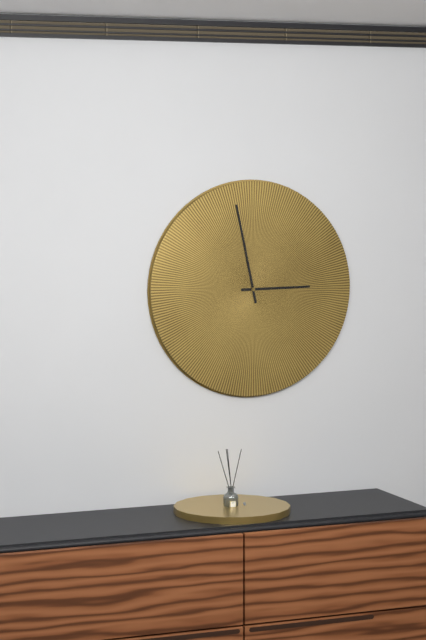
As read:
h=2 m=58
